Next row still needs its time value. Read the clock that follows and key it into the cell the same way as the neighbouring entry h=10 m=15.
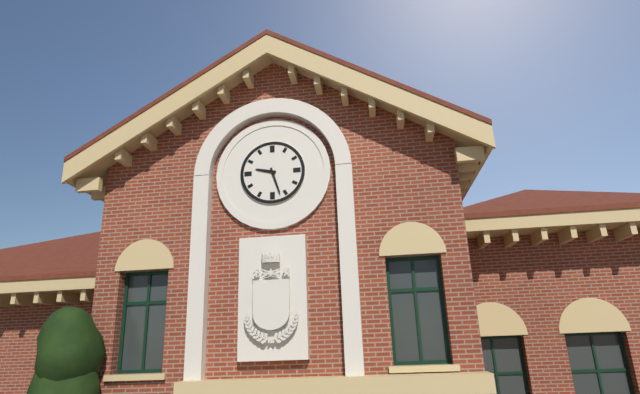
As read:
h=9 m=27
